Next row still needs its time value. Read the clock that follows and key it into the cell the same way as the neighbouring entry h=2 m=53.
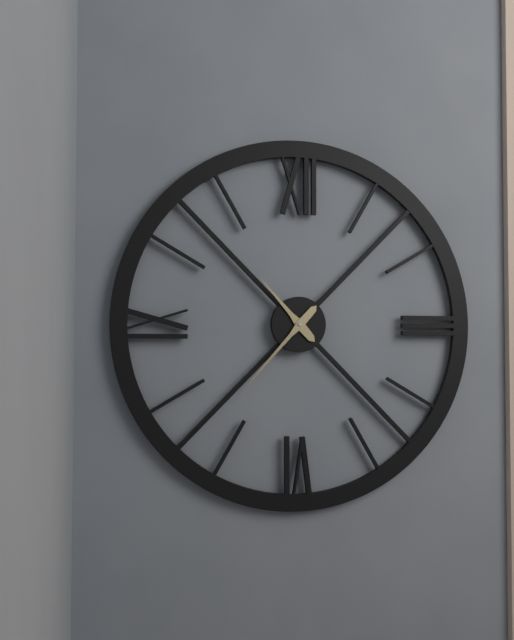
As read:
h=10 m=37
